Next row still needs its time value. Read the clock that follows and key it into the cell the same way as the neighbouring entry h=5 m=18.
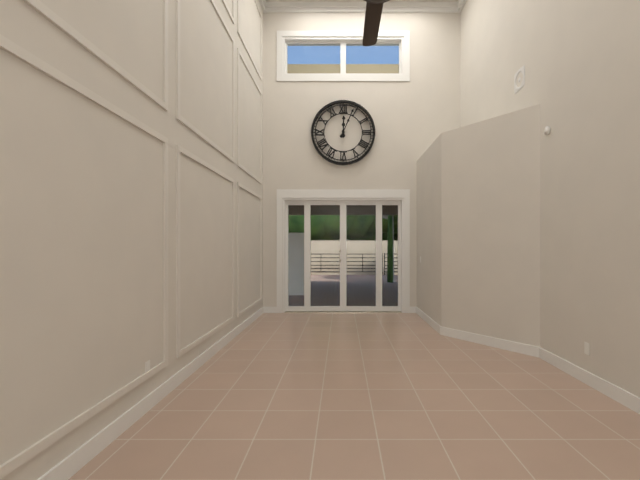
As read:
h=12 m=4
